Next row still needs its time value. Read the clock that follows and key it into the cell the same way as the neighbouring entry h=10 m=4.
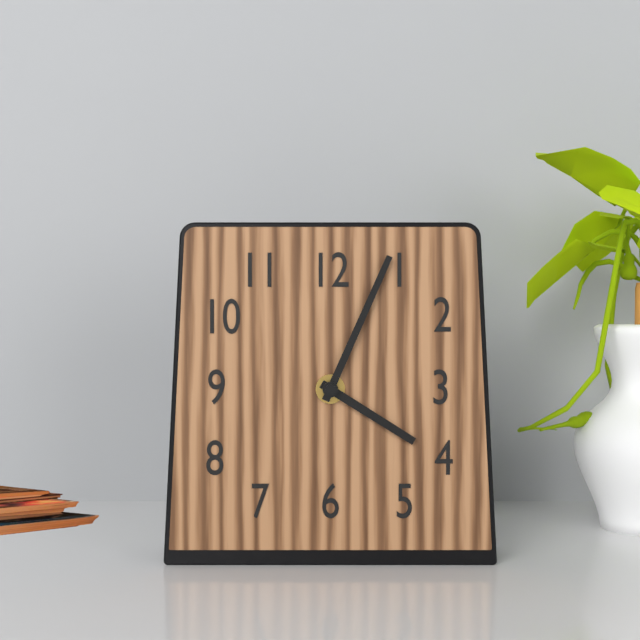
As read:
h=4 m=4
